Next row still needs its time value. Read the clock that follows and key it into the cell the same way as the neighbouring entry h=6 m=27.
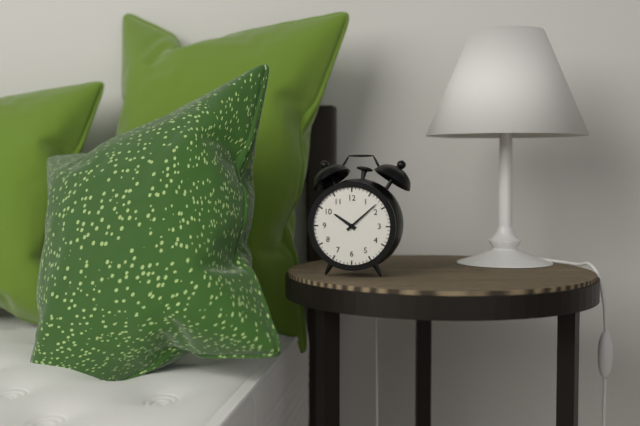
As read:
h=10 m=8
